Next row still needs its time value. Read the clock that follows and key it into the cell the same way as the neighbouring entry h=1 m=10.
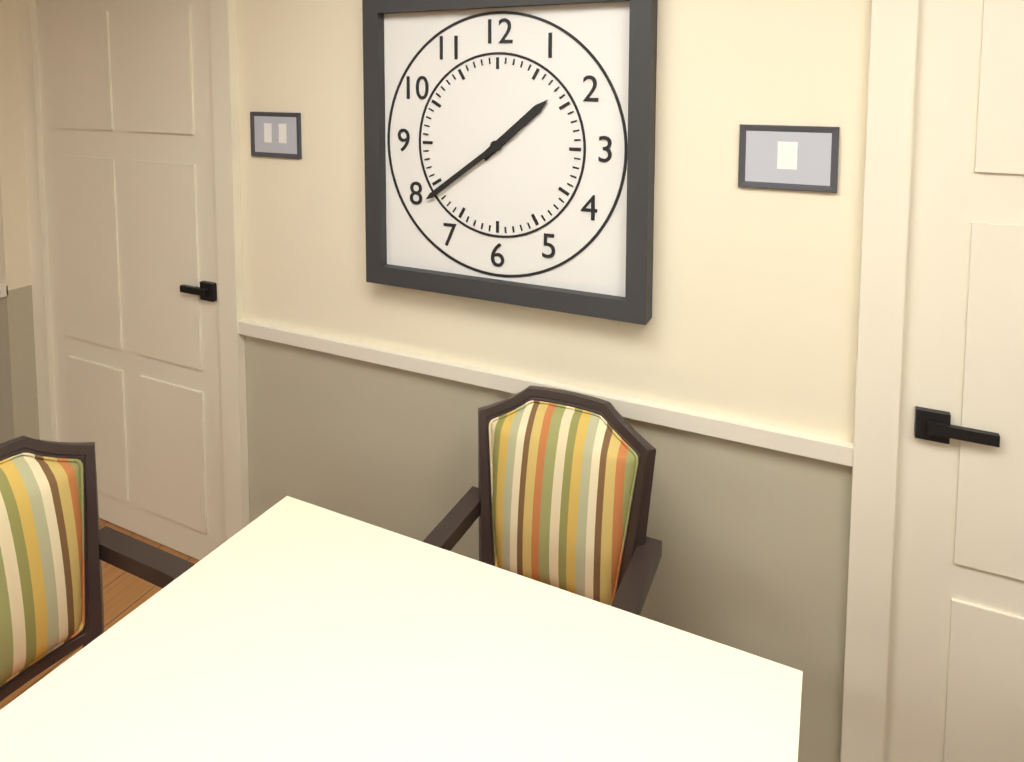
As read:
h=1 m=39
